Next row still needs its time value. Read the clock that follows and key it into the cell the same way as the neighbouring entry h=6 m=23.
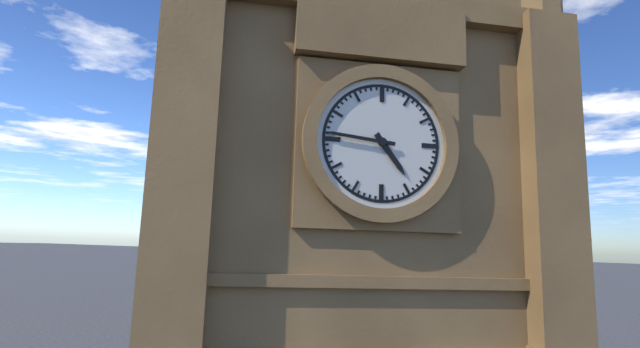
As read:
h=4 m=46
